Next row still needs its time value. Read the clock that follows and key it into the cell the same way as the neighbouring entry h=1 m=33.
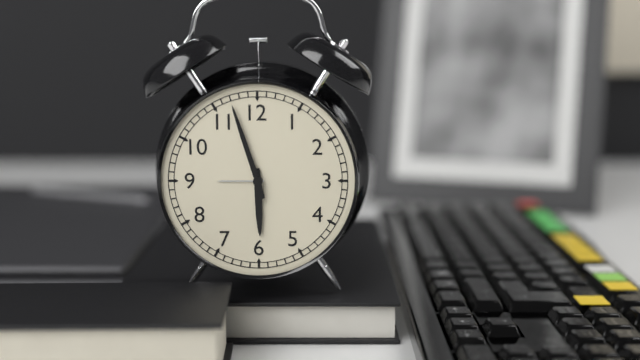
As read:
h=5 m=57
